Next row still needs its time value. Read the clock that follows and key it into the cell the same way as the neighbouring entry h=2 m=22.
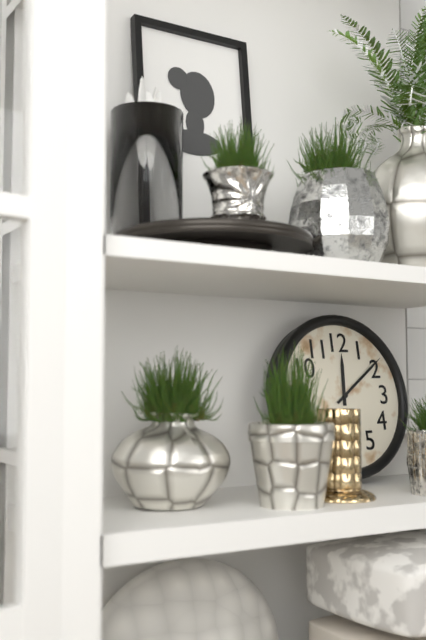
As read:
h=12 m=9
